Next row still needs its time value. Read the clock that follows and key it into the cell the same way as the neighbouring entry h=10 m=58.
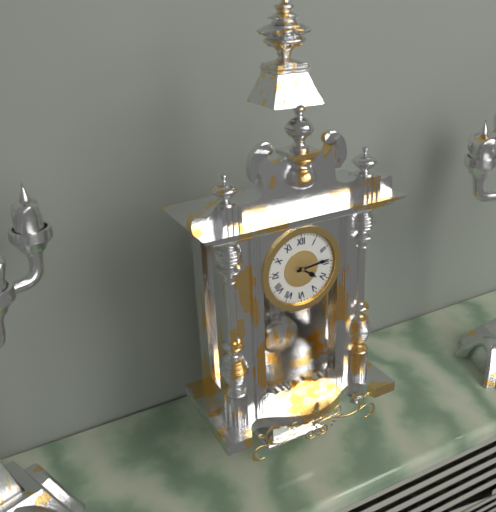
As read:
h=4 m=14
